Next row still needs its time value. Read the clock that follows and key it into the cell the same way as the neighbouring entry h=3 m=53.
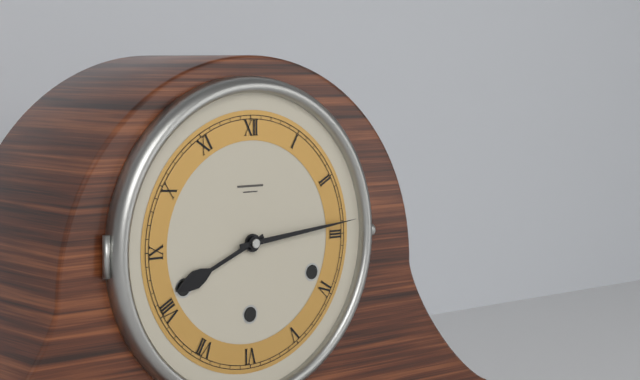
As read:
h=8 m=14
